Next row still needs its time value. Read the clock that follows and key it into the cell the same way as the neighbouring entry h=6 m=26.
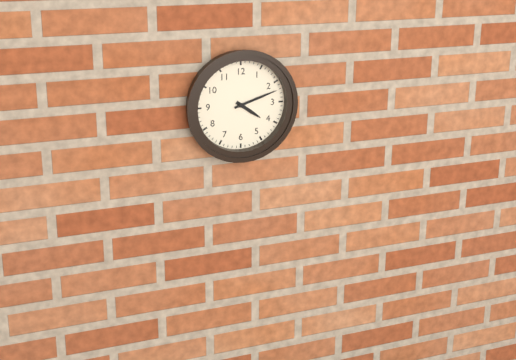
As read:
h=4 m=12
